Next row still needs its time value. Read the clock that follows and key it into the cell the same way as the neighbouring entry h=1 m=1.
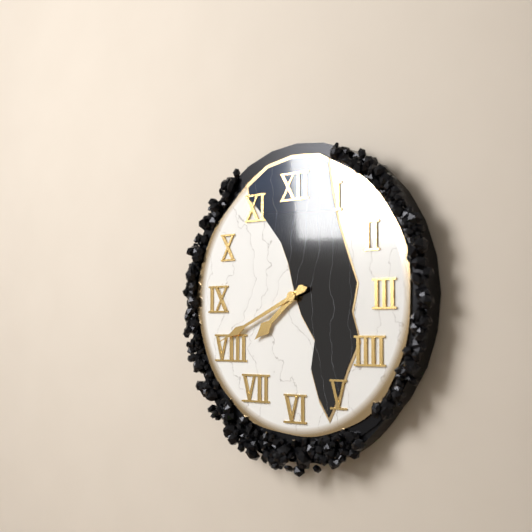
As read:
h=7 m=41
